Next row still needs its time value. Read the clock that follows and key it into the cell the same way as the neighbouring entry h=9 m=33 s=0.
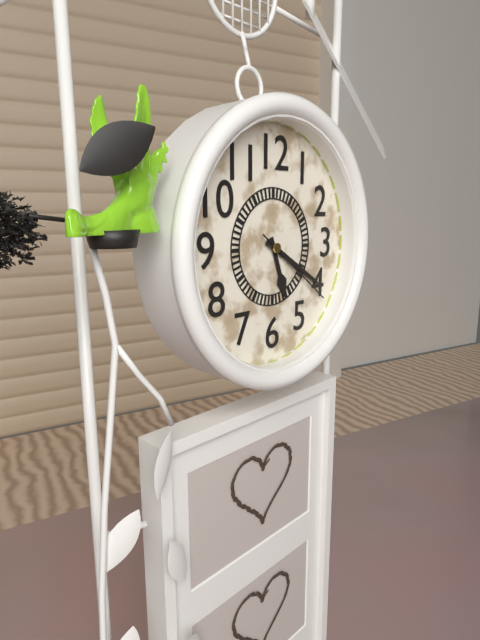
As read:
h=5 m=20 s=21
